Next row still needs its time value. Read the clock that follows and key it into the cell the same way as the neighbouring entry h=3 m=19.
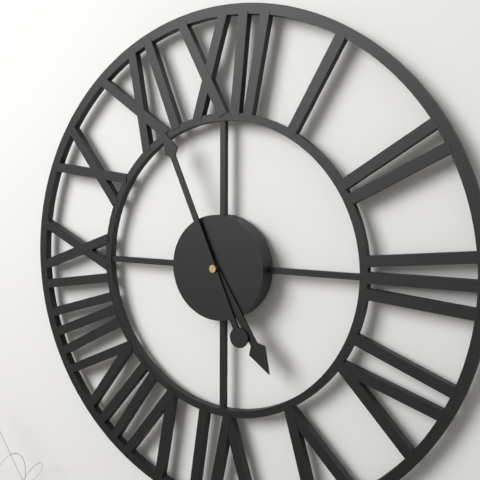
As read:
h=4 m=56
